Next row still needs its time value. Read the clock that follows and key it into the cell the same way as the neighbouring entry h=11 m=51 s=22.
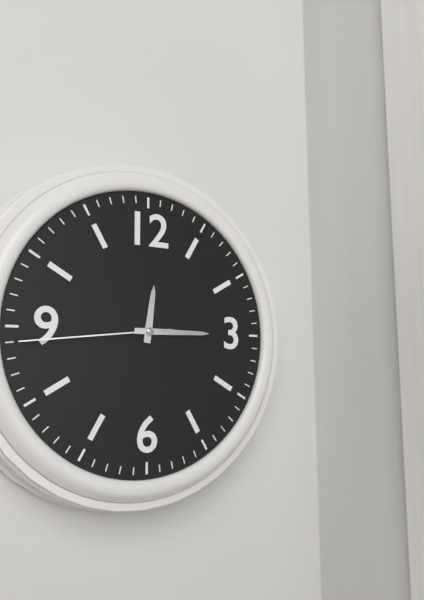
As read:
h=12 m=15 s=44
